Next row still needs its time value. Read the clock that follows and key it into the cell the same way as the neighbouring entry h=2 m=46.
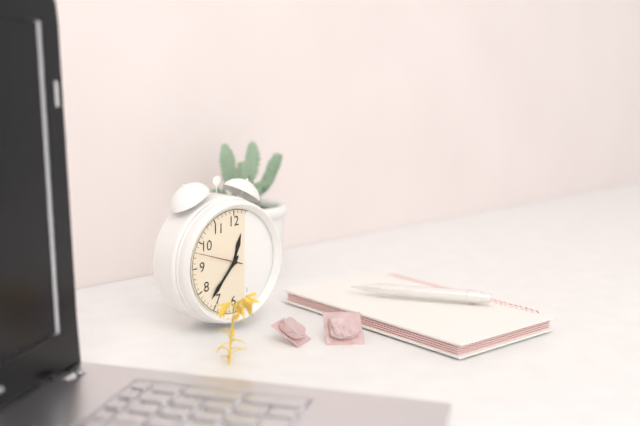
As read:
h=12 m=37
